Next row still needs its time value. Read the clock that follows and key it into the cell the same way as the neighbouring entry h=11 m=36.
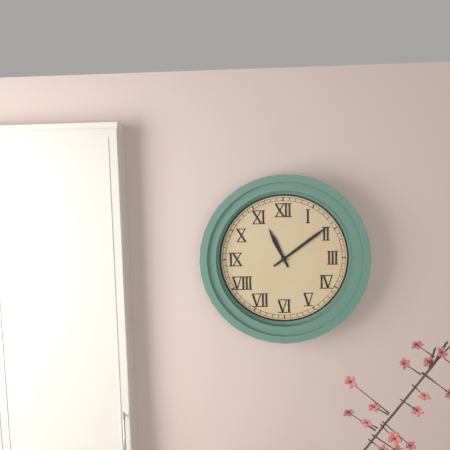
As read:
h=11 m=9
